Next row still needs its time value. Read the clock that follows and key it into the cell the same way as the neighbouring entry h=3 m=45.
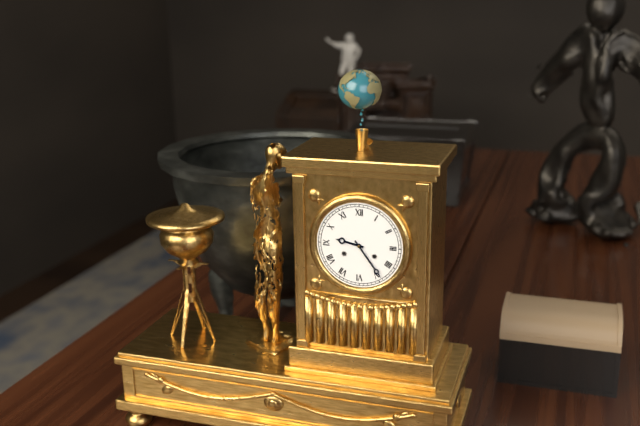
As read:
h=9 m=24
